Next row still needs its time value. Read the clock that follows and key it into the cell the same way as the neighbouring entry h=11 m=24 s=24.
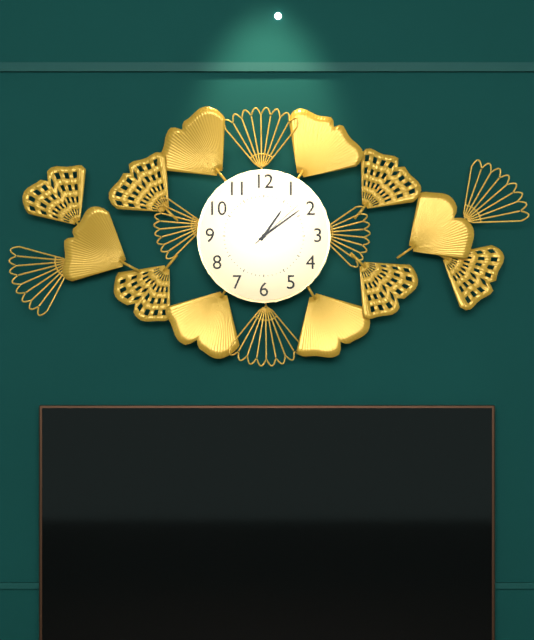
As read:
h=1 m=9 s=8
